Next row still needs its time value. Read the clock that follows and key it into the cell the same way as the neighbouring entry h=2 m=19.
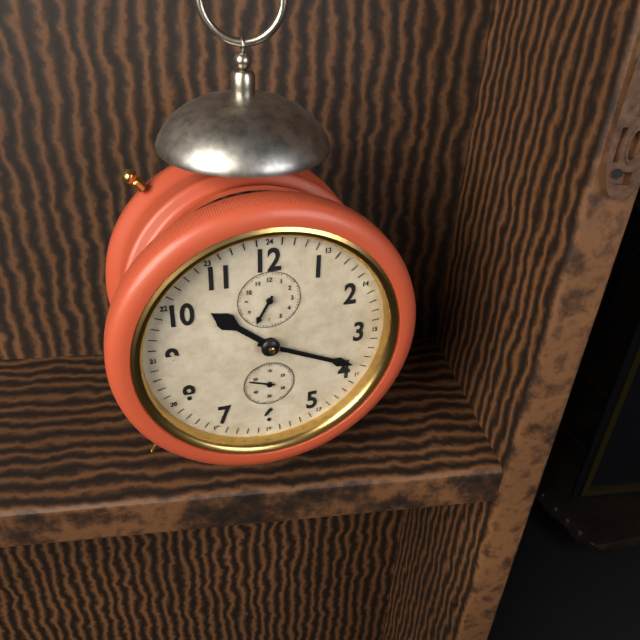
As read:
h=10 m=19
